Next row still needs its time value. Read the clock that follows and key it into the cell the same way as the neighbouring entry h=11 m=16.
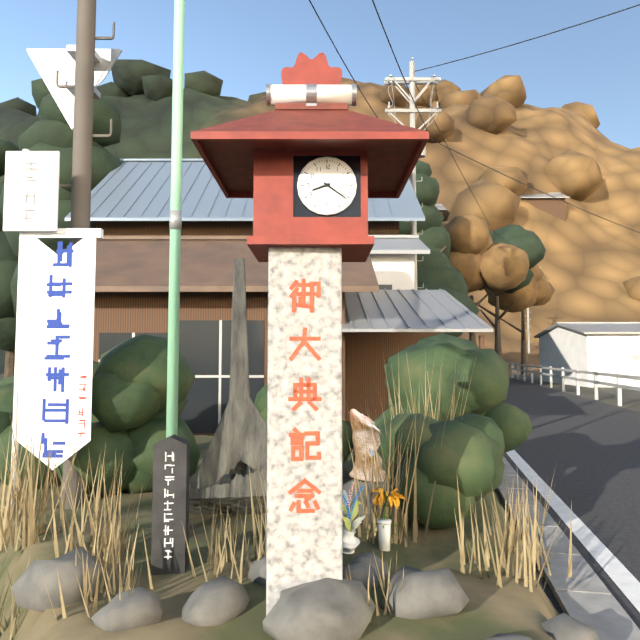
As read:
h=8 m=21
